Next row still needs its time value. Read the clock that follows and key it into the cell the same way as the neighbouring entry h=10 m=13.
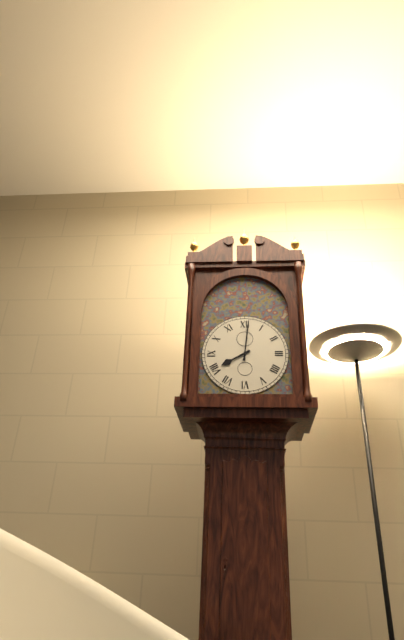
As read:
h=8 m=1
